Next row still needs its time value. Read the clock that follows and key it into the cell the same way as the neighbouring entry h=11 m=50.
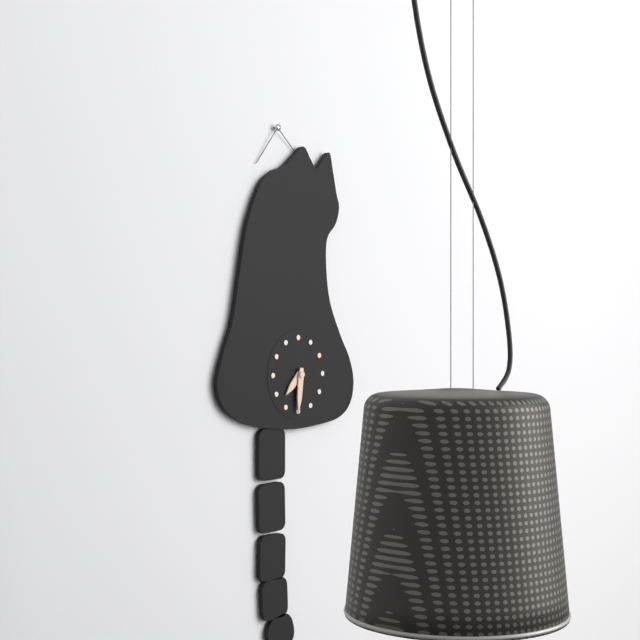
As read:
h=7 m=31
